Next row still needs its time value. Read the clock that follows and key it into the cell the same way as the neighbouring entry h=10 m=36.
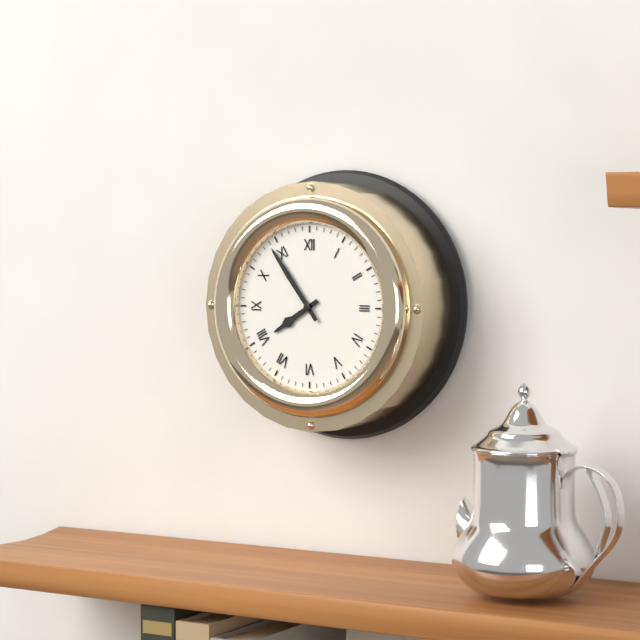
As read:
h=7 m=54
